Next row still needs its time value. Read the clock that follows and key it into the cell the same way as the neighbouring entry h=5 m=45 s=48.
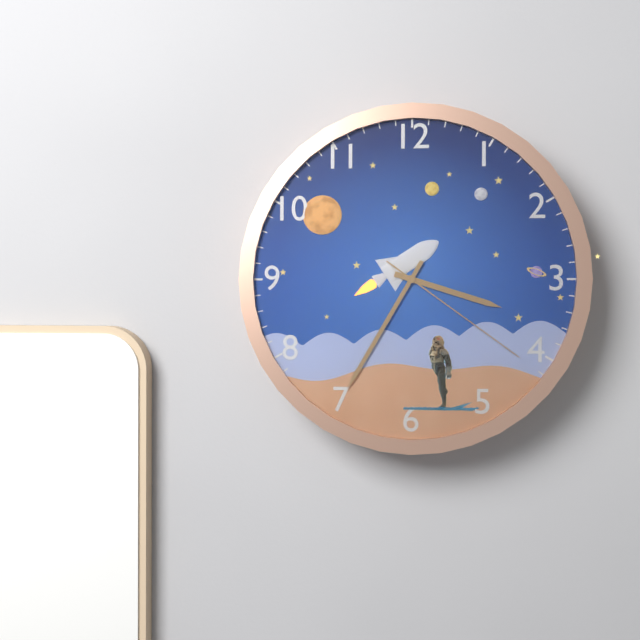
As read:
h=3 m=35 s=21
